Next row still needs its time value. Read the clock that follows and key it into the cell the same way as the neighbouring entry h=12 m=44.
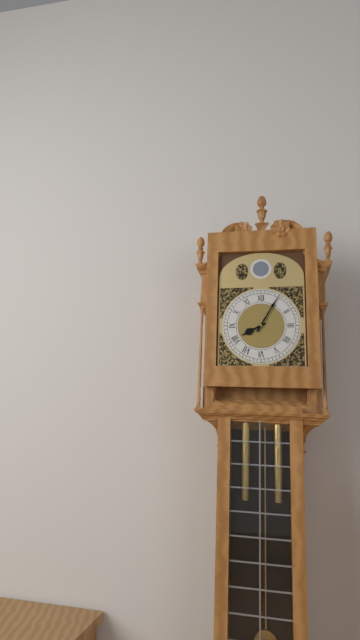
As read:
h=8 m=5
